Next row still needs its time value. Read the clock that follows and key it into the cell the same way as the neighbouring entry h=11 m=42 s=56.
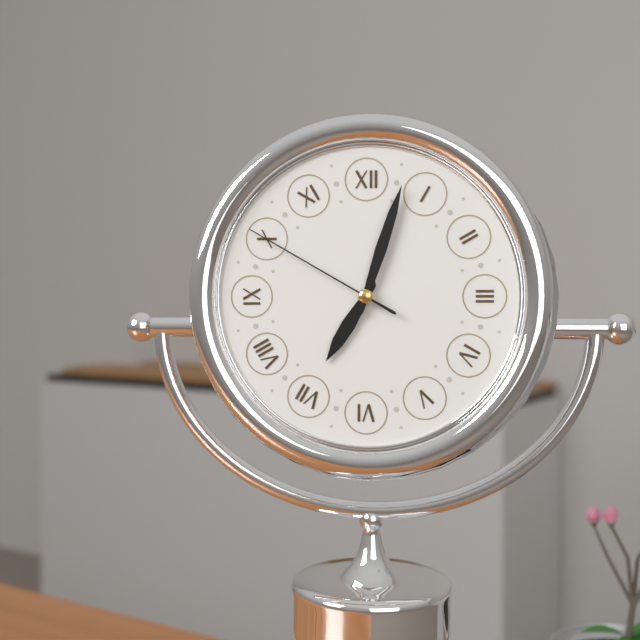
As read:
h=7 m=3 s=50
